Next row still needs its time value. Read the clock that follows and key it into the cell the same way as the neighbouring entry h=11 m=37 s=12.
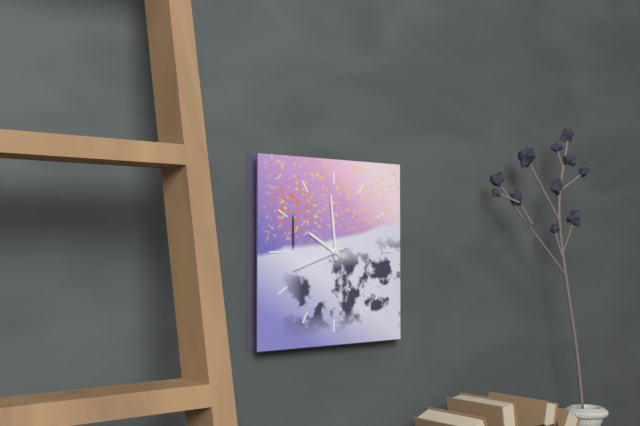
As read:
h=9 m=59 s=42
